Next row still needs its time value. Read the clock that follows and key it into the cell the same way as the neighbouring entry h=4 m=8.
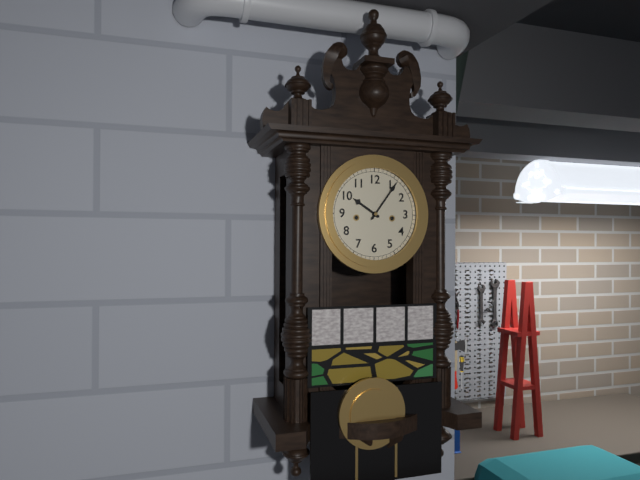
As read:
h=10 m=6
